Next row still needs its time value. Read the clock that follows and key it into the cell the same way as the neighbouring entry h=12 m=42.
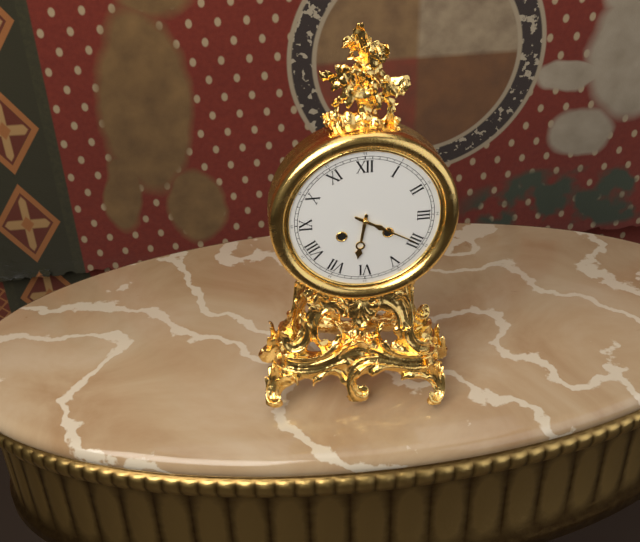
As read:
h=6 m=20
